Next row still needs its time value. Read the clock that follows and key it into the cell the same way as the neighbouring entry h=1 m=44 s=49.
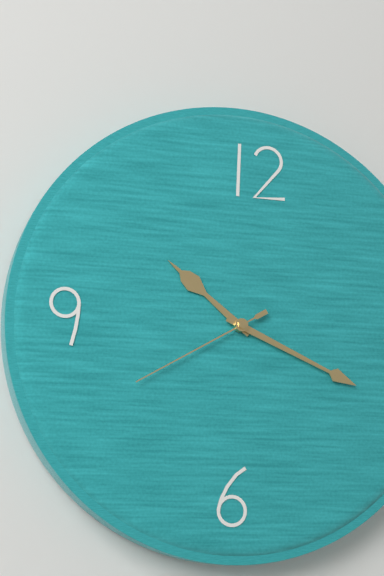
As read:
h=10 m=19 s=40
